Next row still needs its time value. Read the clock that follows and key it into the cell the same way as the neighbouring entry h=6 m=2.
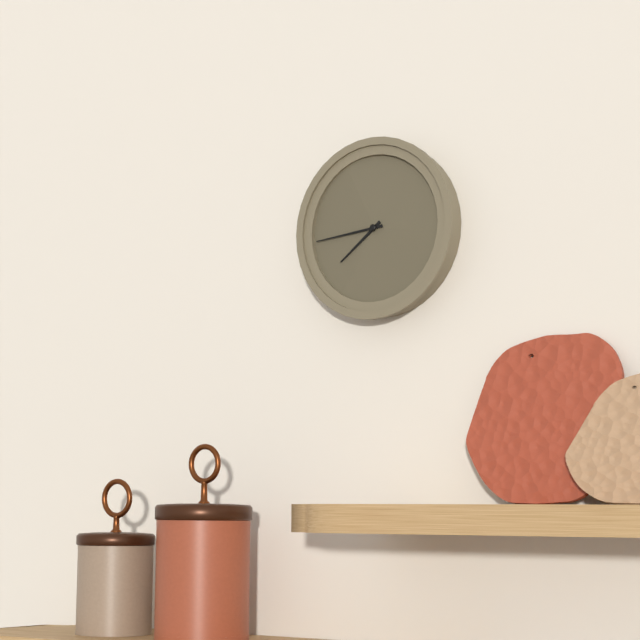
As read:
h=7 m=44
